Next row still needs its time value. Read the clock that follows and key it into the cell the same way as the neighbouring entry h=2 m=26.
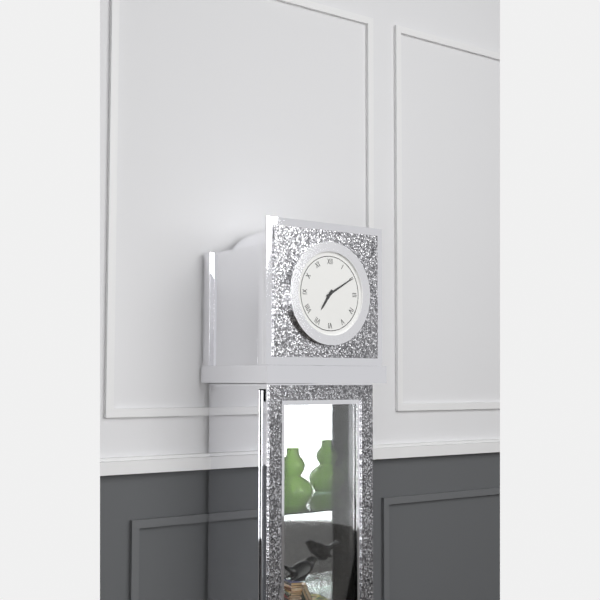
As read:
h=7 m=10
